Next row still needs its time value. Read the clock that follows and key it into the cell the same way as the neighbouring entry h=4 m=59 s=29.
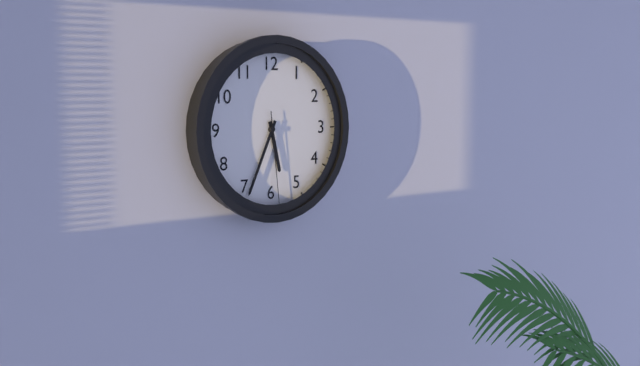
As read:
h=5 m=34 s=29
